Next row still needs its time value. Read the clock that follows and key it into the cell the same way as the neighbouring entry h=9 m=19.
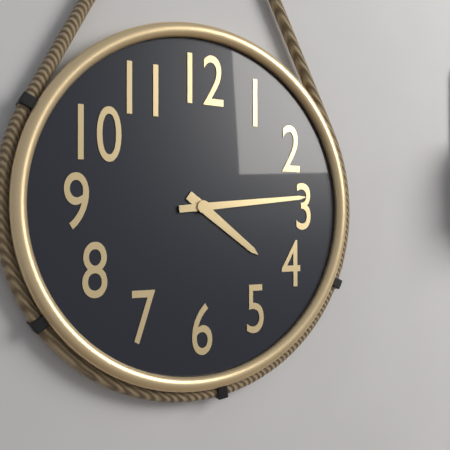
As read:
h=4 m=14
